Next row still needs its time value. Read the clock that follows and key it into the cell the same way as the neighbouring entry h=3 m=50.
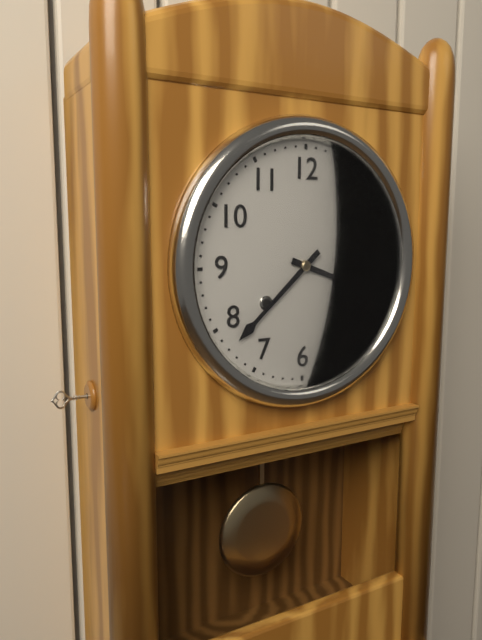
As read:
h=3 m=38
